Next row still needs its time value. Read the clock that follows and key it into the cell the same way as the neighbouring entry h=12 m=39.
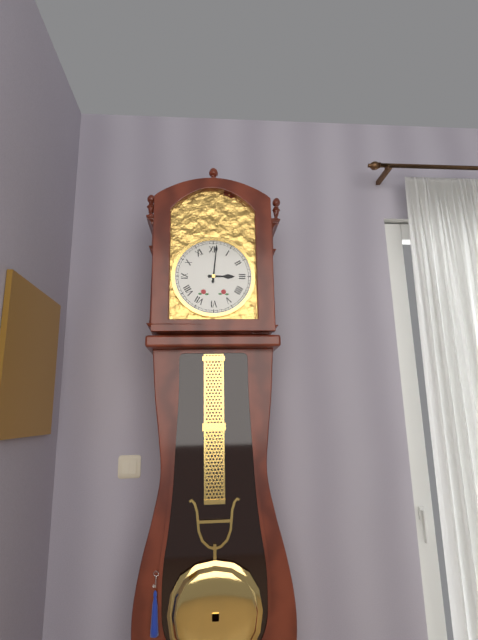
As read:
h=3 m=1
